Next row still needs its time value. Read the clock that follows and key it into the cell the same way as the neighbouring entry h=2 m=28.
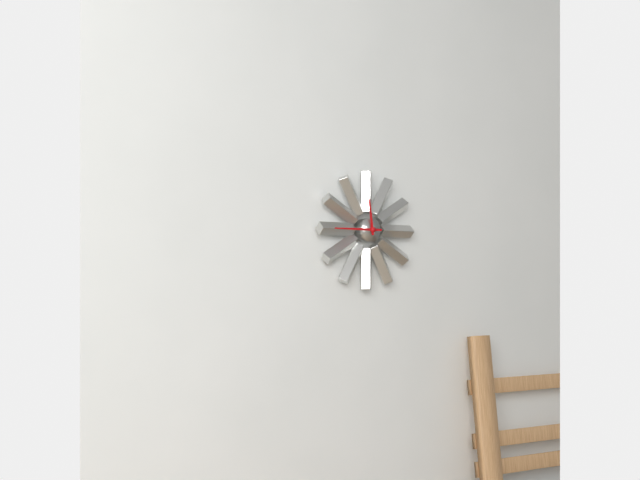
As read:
h=11 m=45
